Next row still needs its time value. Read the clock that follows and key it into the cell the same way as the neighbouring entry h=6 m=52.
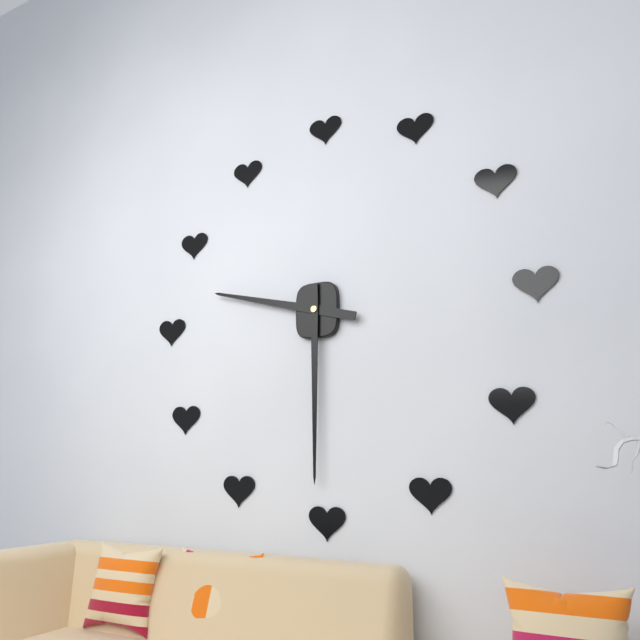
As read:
h=9 m=30
